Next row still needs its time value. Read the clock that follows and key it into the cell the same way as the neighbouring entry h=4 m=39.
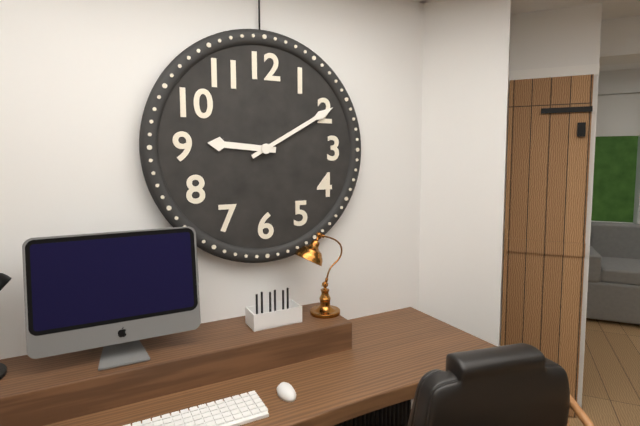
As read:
h=9 m=10
